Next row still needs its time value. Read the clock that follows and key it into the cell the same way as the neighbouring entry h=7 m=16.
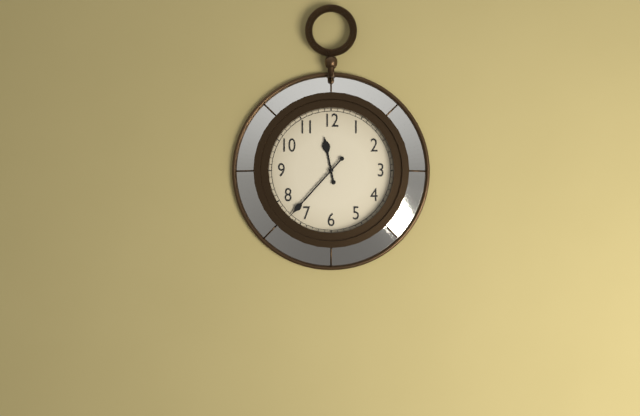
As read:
h=11 m=37
